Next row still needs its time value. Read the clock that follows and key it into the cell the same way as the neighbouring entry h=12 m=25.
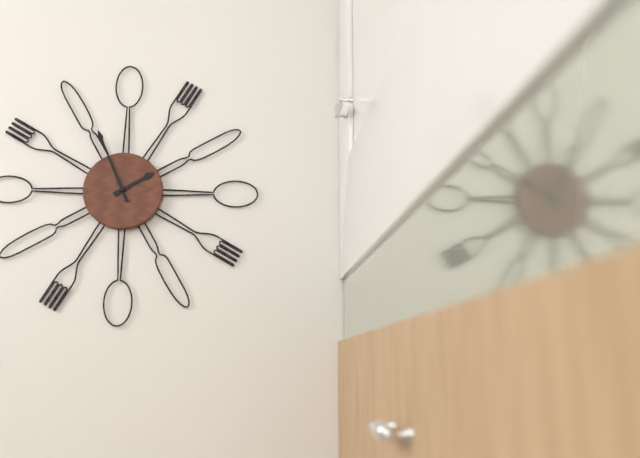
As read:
h=1 m=56
